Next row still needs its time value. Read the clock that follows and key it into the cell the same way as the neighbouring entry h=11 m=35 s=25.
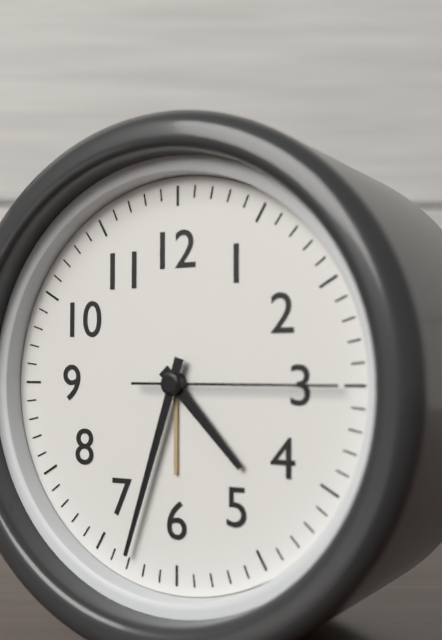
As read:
h=4 m=33 s=15
